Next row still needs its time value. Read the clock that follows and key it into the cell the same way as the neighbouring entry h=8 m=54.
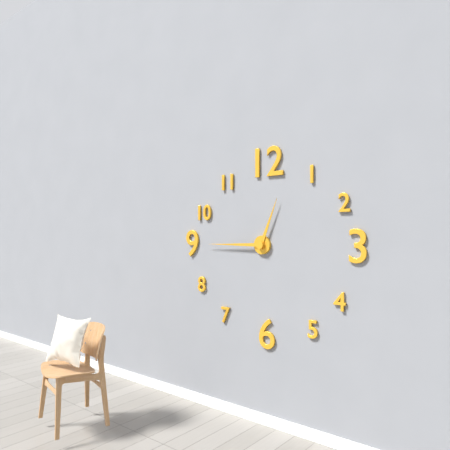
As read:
h=12 m=45
